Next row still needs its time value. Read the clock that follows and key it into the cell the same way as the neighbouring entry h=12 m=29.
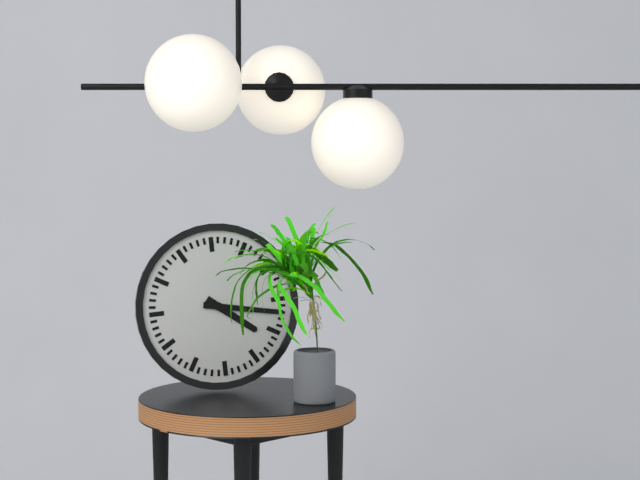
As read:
h=4 m=17
